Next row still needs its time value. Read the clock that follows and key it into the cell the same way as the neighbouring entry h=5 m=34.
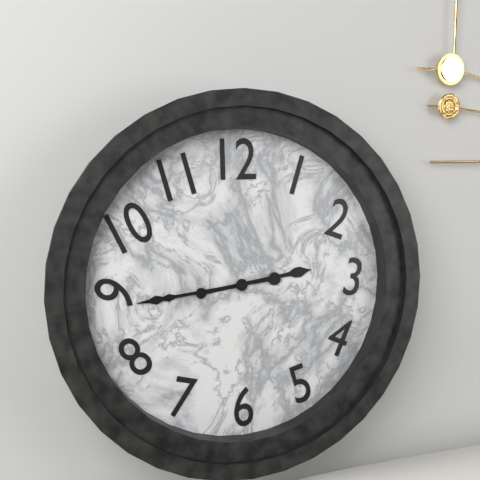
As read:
h=2 m=44
